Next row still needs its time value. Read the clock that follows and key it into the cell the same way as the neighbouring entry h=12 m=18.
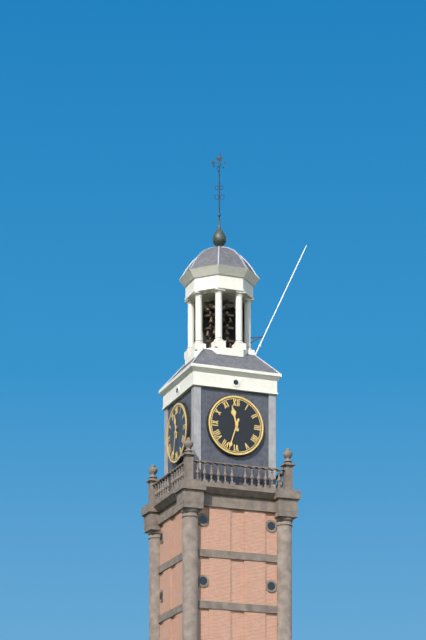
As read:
h=11 m=33
